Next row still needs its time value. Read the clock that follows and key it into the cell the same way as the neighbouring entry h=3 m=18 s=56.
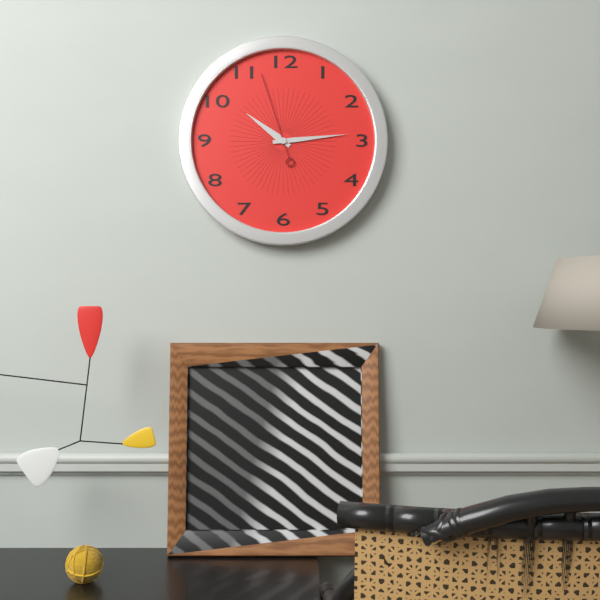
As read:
h=10 m=14 s=57
